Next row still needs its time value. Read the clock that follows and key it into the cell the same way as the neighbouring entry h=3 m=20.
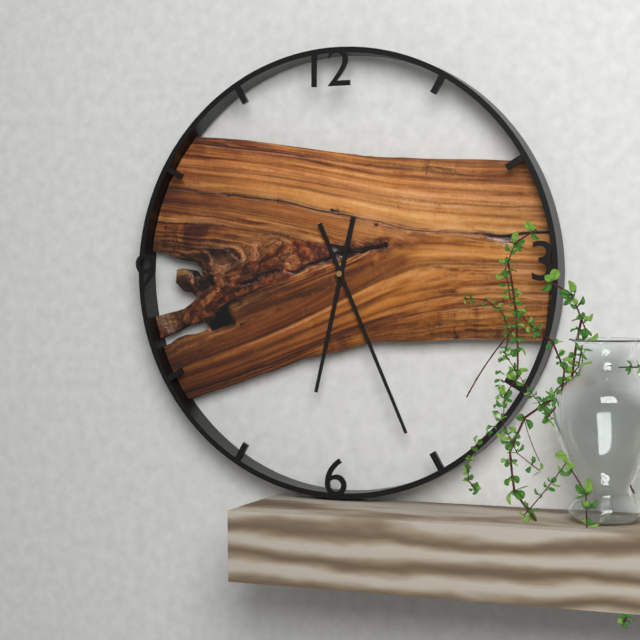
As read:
h=6 m=26
